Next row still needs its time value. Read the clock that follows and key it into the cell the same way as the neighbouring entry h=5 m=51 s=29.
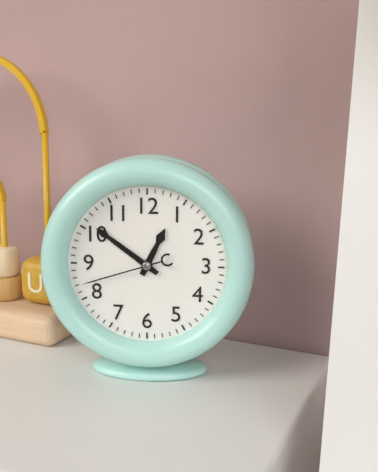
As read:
h=12 m=51 s=42
